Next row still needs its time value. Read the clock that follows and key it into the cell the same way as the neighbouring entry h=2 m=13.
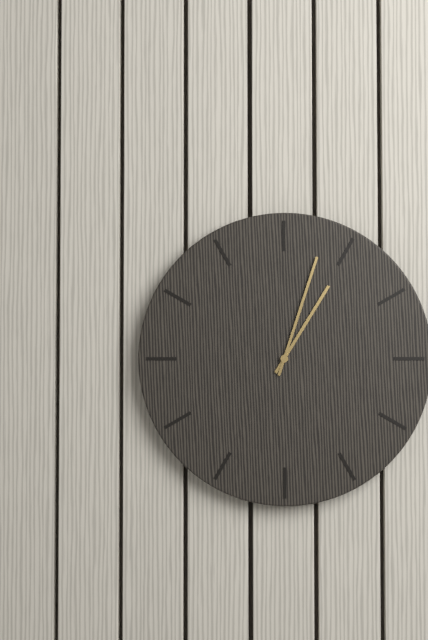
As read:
h=1 m=3
